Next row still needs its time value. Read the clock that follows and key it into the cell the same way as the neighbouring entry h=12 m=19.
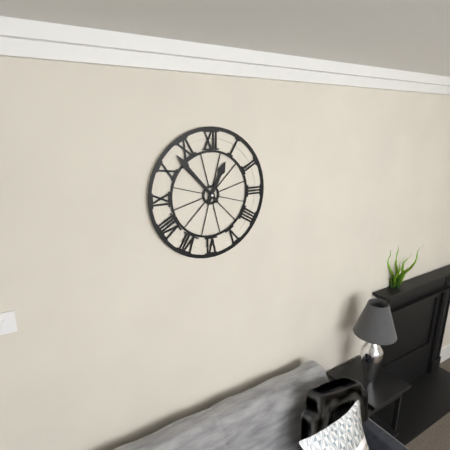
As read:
h=12 m=53
